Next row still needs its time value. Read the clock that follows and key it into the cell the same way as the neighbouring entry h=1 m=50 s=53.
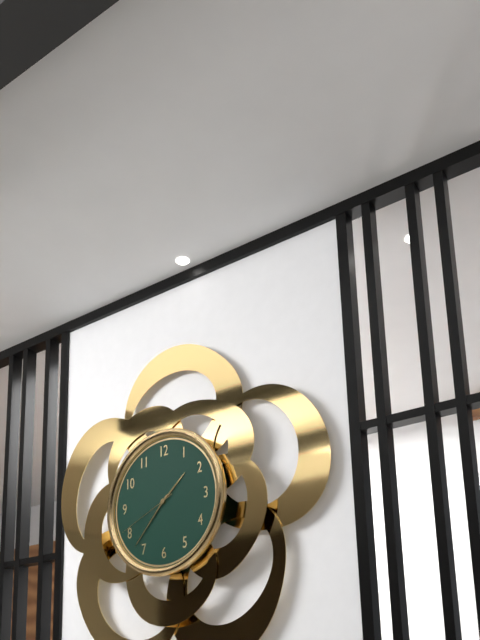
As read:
h=1 m=37 s=41
